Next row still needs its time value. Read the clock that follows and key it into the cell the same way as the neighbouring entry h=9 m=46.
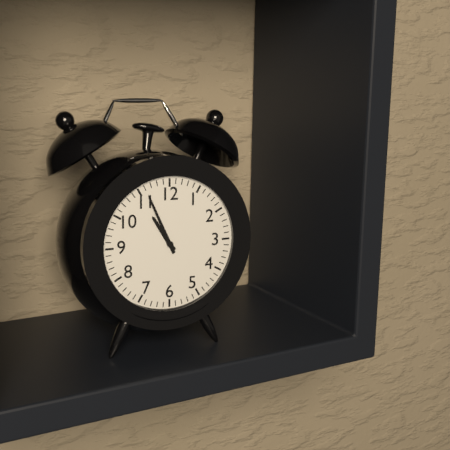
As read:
h=10 m=56
